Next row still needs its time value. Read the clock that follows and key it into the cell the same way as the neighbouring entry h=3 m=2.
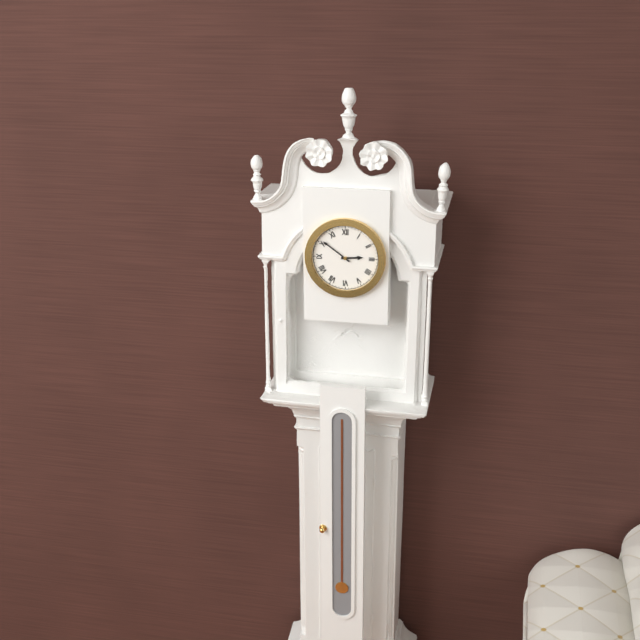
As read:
h=2 m=51
